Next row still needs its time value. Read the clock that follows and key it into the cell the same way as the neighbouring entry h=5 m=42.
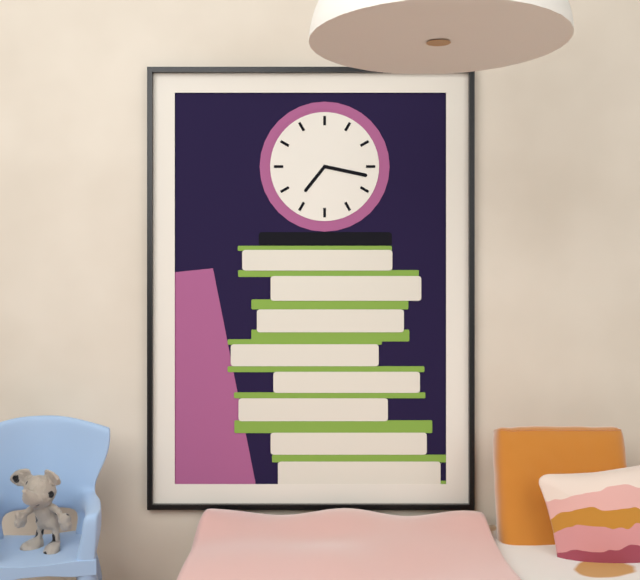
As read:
h=7 m=17
